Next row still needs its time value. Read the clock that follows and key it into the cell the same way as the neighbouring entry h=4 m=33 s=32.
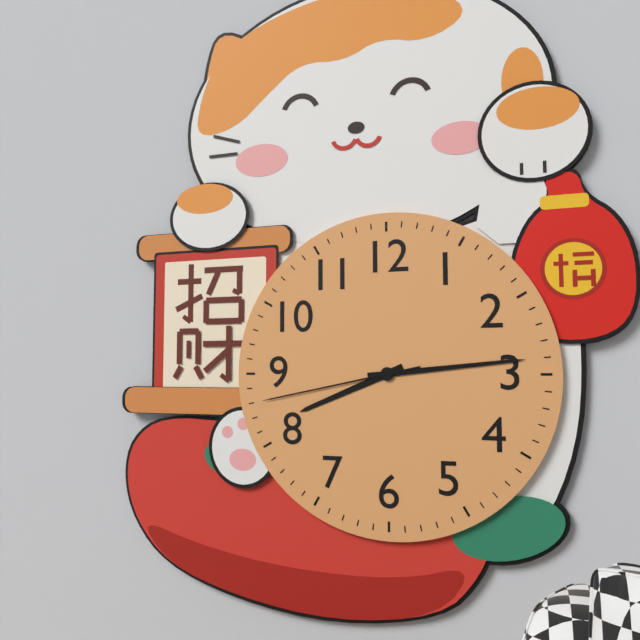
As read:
h=8 m=14 s=43
